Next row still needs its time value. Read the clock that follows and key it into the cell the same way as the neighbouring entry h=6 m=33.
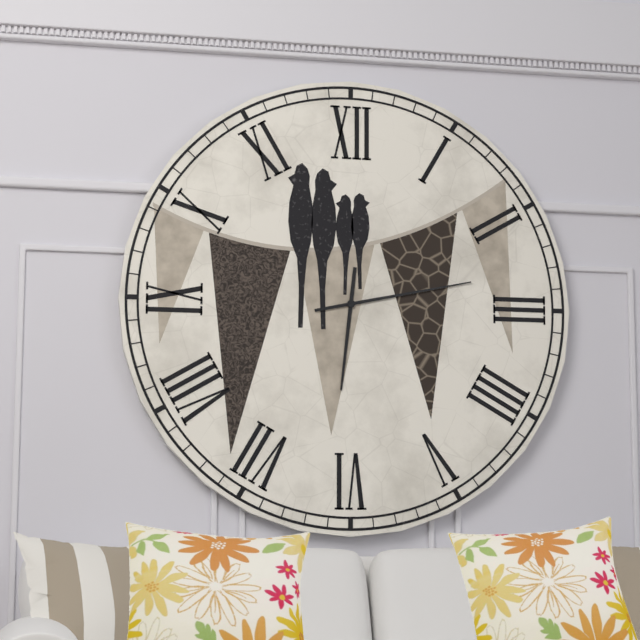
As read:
h=6 m=13
